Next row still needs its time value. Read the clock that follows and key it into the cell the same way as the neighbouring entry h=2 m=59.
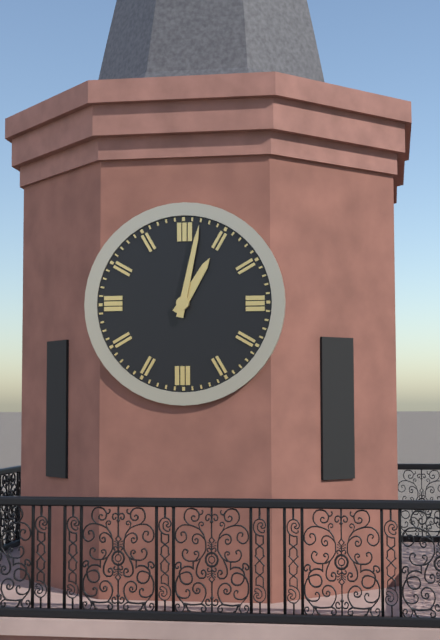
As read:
h=1 m=2
